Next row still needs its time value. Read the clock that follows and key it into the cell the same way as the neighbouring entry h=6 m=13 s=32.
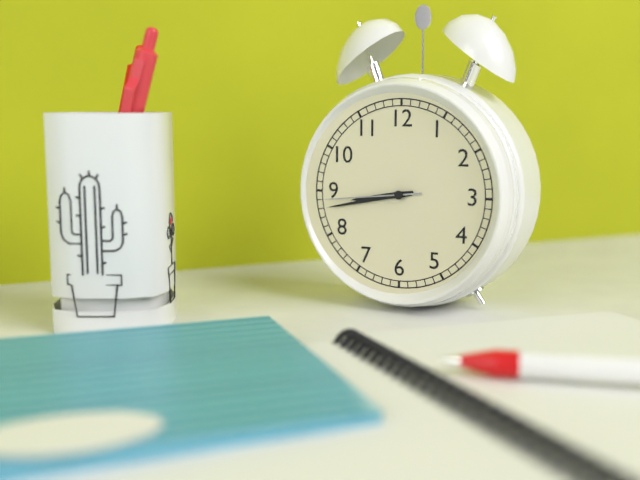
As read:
h=8 m=43 s=44
